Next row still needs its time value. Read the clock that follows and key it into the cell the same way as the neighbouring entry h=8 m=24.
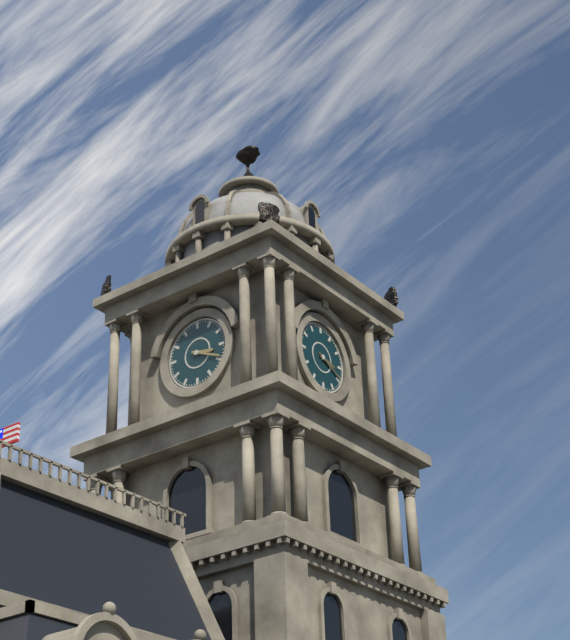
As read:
h=3 m=19
